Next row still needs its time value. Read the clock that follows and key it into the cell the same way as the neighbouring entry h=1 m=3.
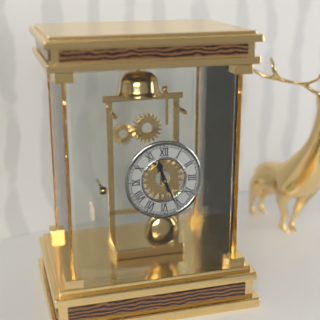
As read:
h=11 m=26
